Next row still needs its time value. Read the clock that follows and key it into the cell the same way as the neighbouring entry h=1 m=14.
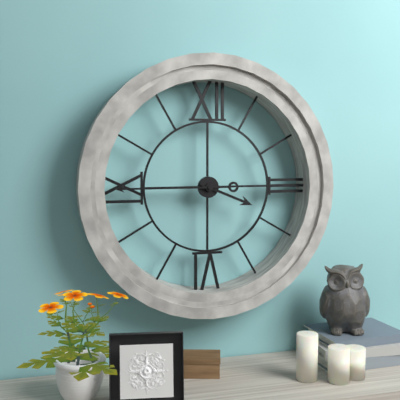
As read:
h=3 m=45
